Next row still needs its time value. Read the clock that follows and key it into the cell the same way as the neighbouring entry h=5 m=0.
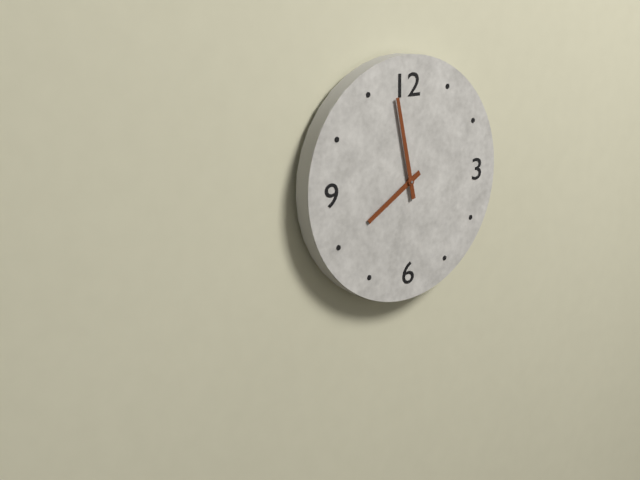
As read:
h=7 m=58
